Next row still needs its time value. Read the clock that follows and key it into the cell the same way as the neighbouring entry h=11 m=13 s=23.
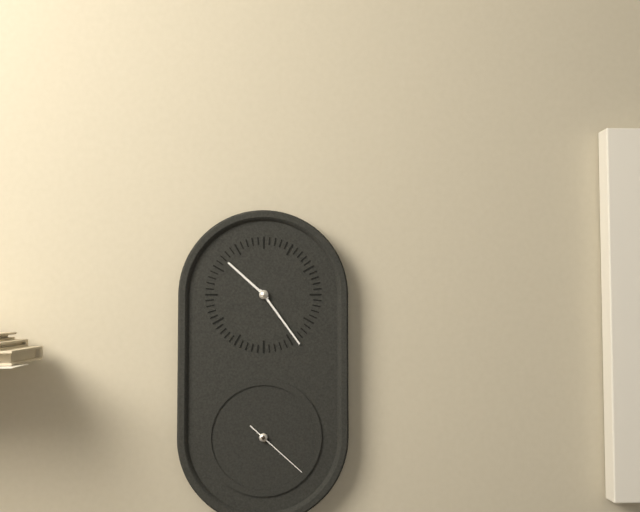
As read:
h=10 m=24 s=22
